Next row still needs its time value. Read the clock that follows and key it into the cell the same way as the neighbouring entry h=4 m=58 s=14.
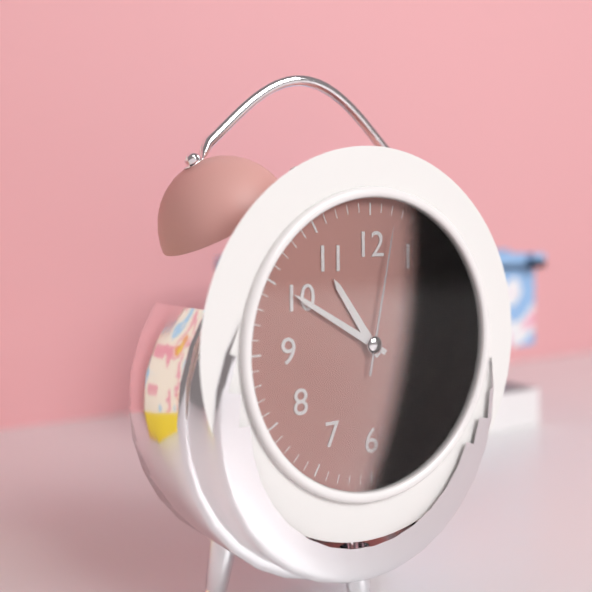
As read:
h=10 m=50 s=2
